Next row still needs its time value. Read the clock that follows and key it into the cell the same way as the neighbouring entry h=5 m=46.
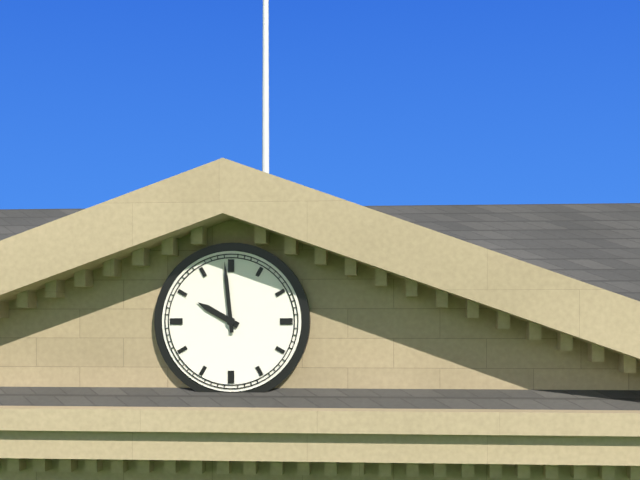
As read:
h=9 m=59
